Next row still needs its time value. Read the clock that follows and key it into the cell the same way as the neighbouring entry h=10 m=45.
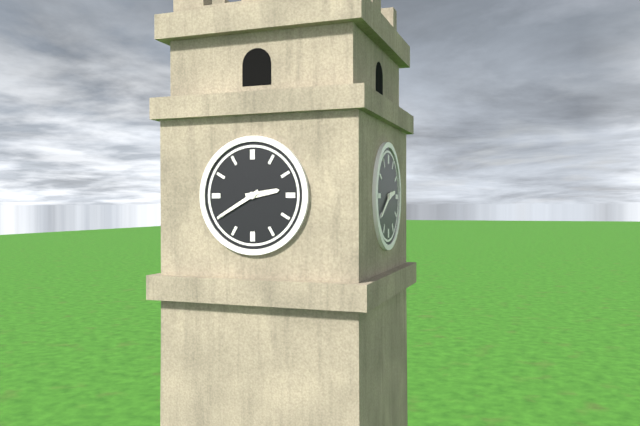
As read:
h=2 m=40
